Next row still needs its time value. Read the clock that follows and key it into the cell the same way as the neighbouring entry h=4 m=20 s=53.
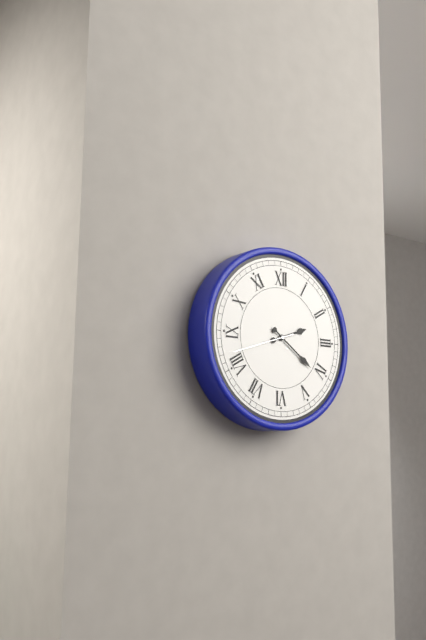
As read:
h=2 m=21 s=42
